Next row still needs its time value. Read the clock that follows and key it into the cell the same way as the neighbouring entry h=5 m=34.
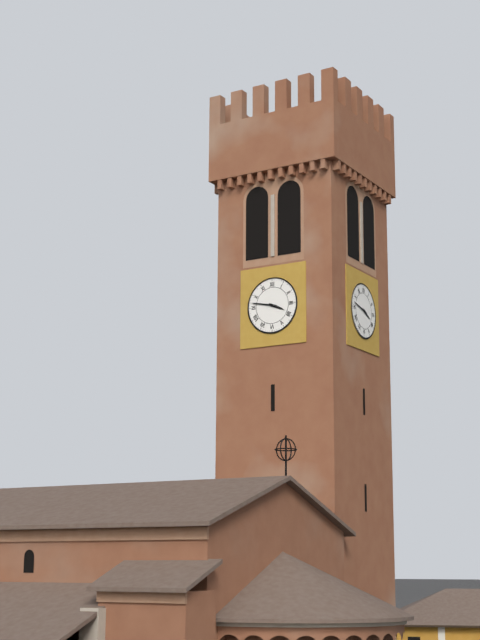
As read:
h=3 m=47
